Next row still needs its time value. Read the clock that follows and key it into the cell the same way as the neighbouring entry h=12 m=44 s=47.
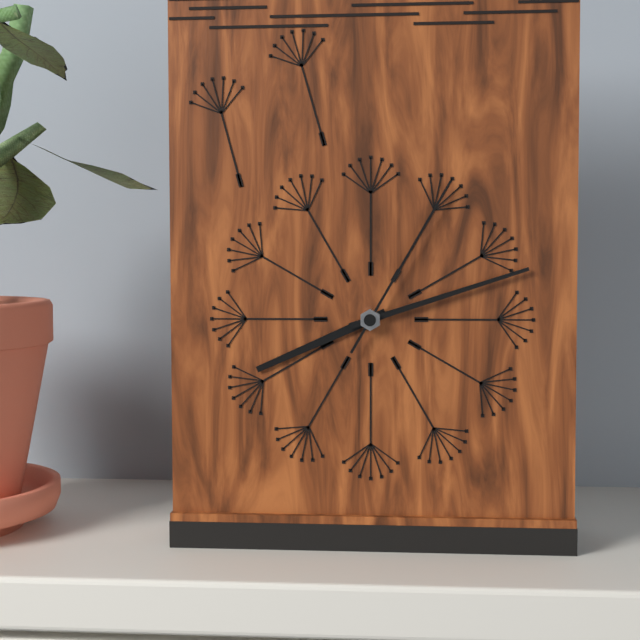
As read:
h=8 m=12 s=5
